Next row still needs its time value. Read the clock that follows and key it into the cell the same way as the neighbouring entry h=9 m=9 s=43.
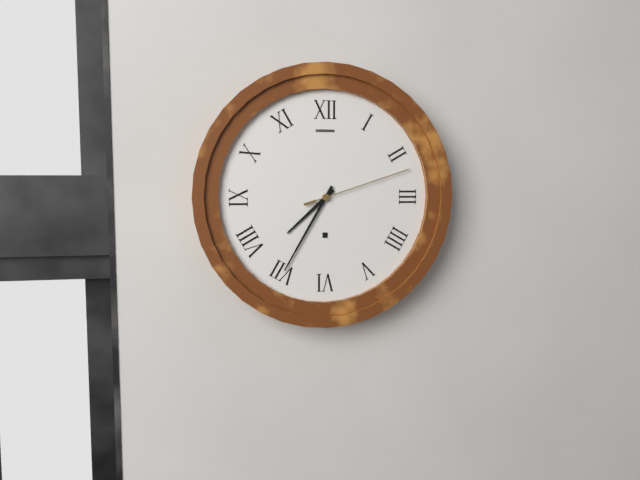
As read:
h=7 m=35 s=12
